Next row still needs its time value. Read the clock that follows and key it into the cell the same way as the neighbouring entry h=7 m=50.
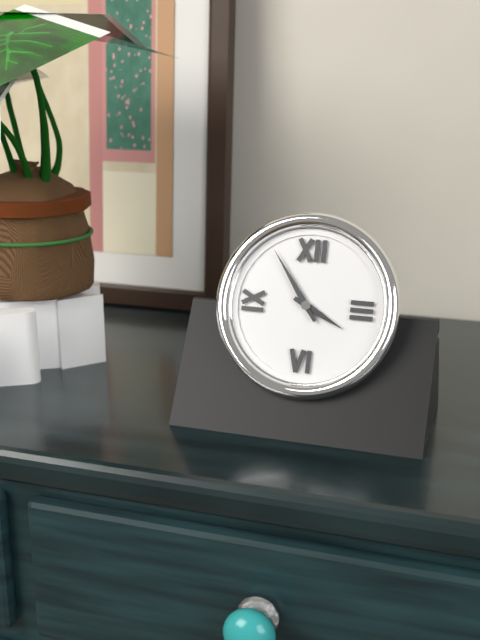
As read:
h=3 m=54
